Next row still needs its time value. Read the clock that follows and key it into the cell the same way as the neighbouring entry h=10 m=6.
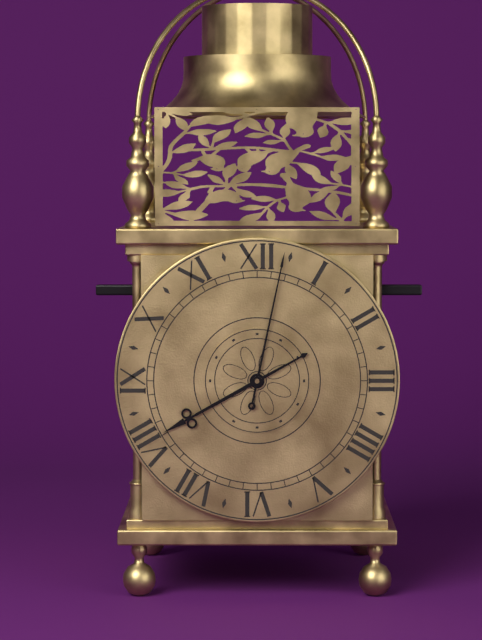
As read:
h=8 m=2
